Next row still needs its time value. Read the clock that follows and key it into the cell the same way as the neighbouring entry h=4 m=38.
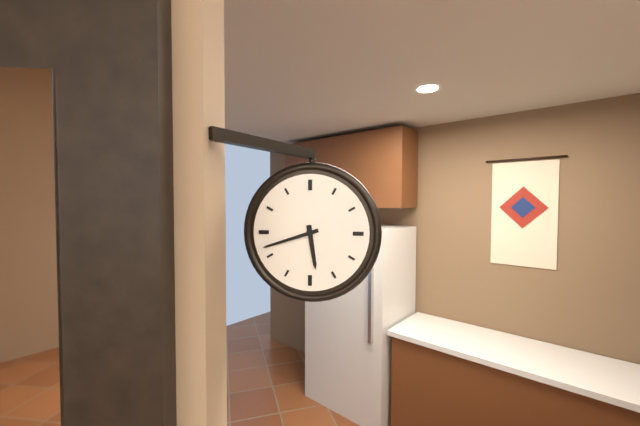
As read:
h=5 m=42
